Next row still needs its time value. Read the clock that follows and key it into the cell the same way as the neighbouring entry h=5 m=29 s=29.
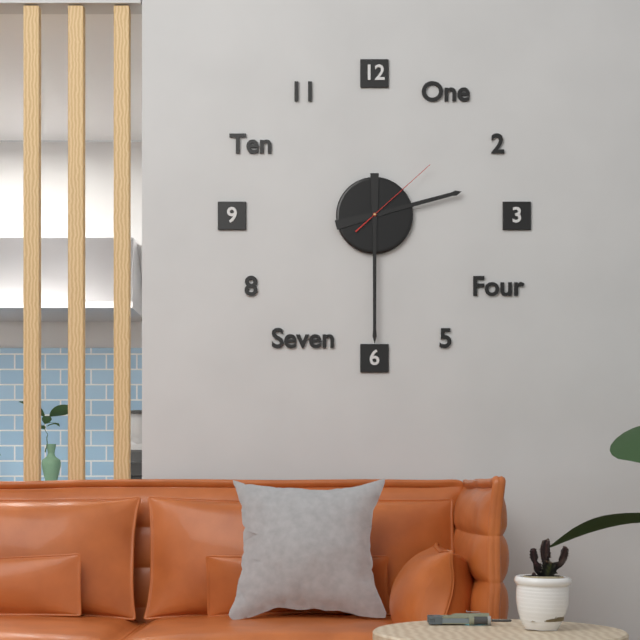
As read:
h=2 m=30 s=8
